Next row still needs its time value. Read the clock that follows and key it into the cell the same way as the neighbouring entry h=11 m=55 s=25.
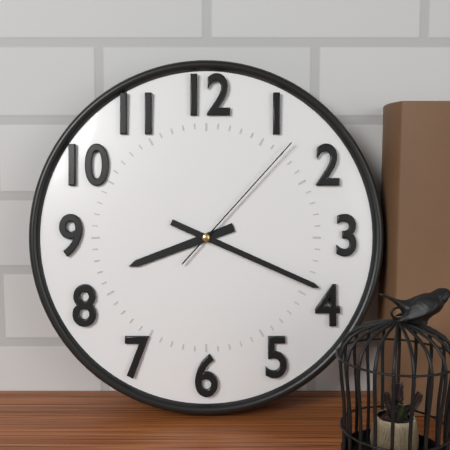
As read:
h=8 m=19 s=7
